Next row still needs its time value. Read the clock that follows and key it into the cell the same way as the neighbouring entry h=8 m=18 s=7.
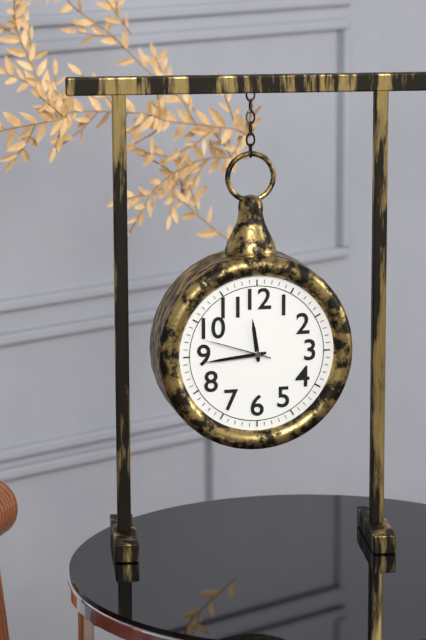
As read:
h=11 m=44 s=48
